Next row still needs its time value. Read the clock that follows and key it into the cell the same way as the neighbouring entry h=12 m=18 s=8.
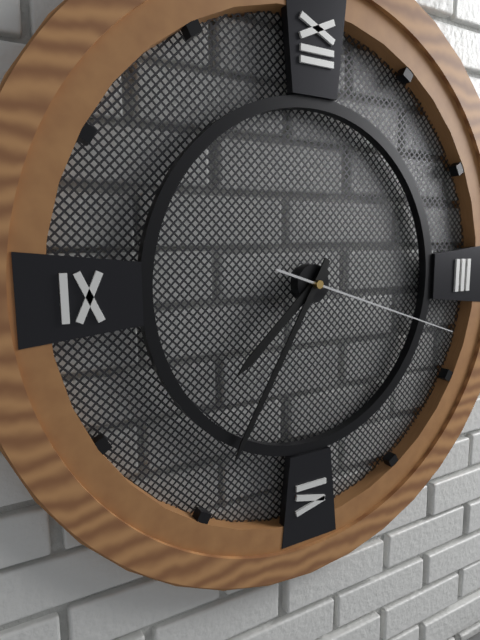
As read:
h=7 m=35 s=18
